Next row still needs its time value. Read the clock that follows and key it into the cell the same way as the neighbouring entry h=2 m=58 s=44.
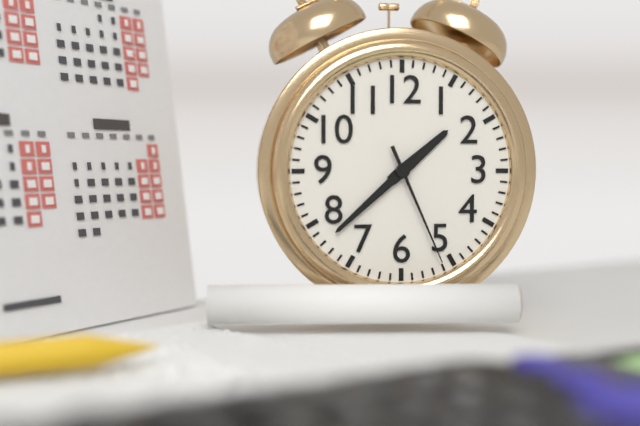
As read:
h=1 m=38 s=26
